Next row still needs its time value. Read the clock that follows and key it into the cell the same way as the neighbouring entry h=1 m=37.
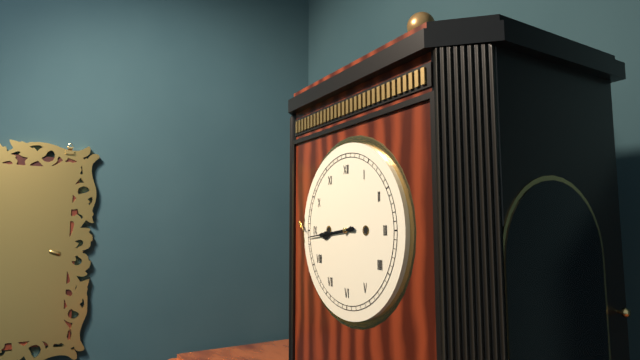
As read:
h=8 m=44
